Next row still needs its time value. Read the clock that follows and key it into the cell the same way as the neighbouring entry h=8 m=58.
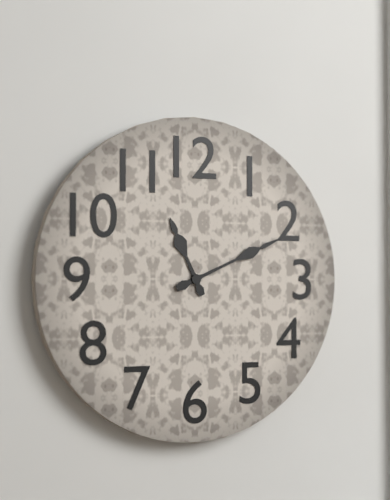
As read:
h=11 m=11
